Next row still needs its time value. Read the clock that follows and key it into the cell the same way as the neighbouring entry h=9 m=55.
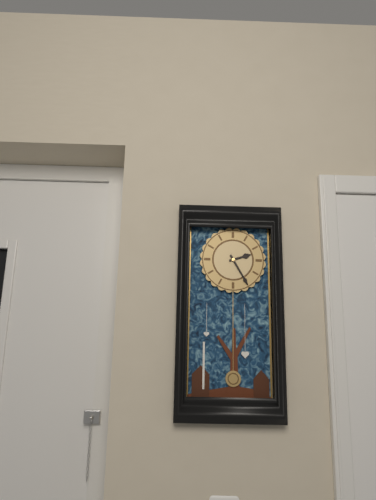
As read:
h=2 m=25
